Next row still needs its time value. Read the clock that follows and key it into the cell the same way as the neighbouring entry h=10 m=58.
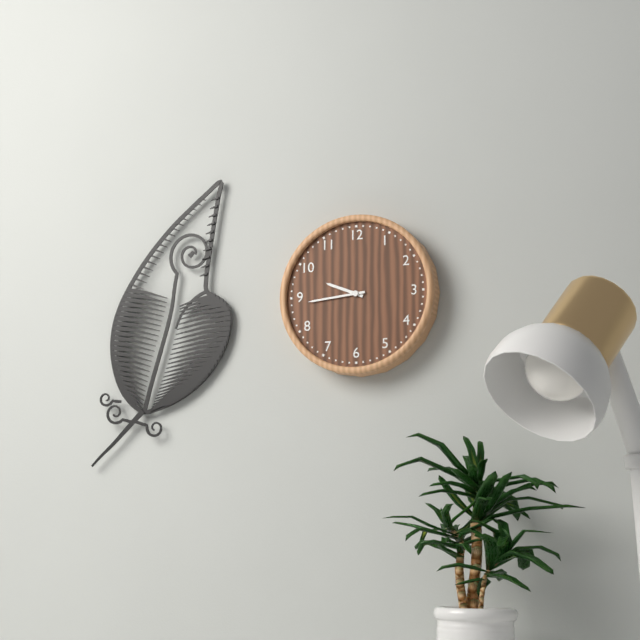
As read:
h=9 m=44
